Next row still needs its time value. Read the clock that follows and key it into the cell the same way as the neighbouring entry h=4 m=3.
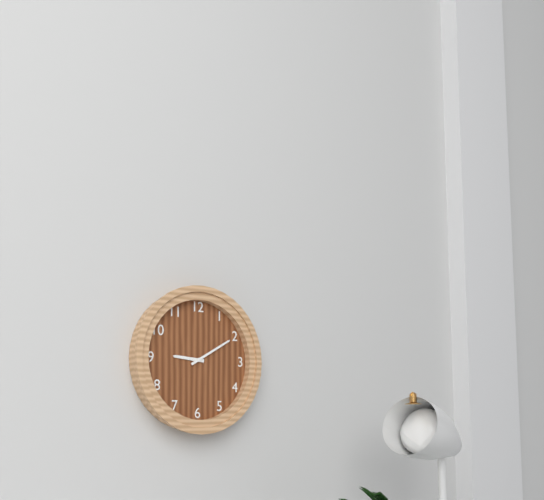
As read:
h=9 m=10
